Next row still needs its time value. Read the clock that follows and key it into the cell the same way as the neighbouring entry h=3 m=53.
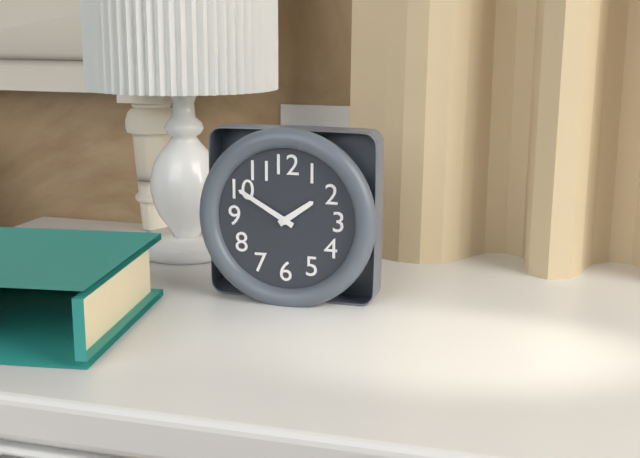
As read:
h=1 m=50
